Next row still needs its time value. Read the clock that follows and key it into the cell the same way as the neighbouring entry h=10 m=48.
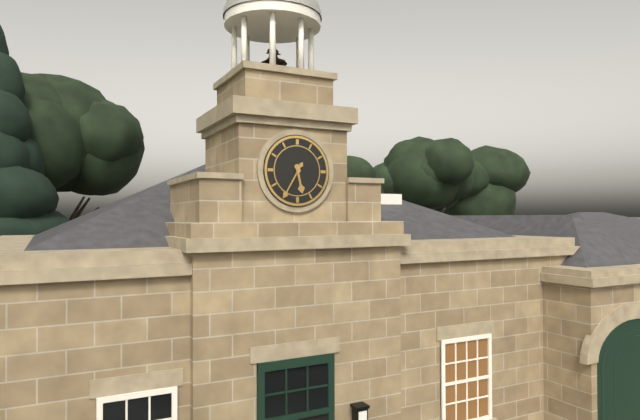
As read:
h=5 m=35
